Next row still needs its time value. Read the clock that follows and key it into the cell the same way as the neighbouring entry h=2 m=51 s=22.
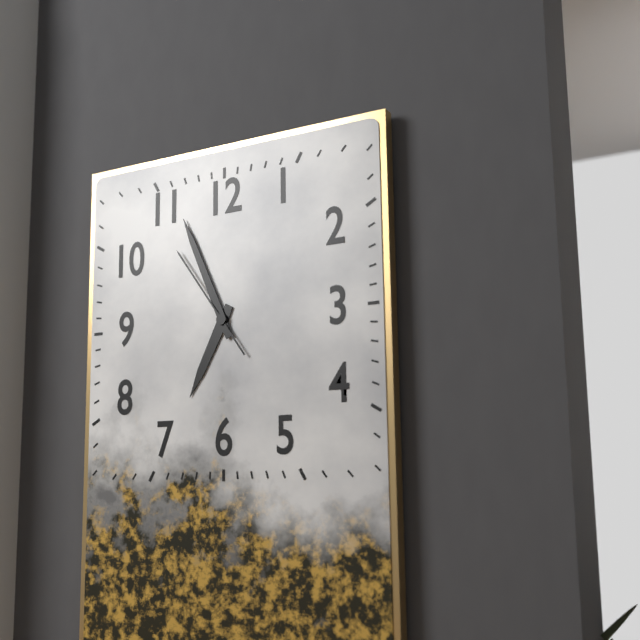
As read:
h=6 m=56 s=54
